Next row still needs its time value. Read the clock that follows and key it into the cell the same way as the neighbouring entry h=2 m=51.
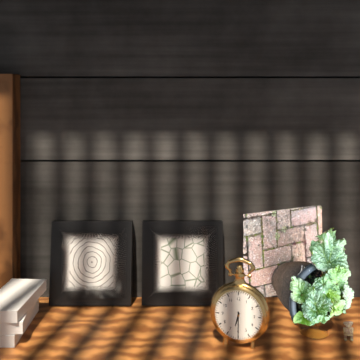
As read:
h=6 m=30
